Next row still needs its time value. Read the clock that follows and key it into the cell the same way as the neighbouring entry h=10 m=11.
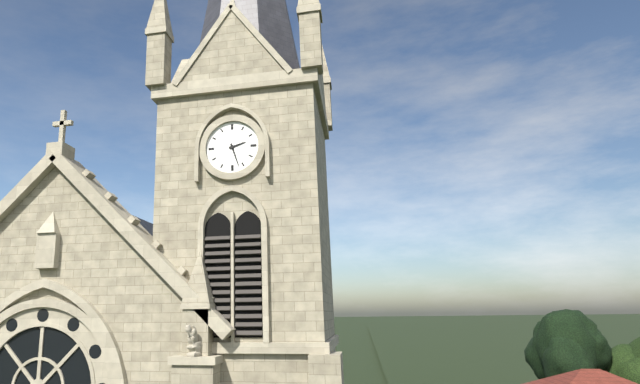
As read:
h=2 m=27
